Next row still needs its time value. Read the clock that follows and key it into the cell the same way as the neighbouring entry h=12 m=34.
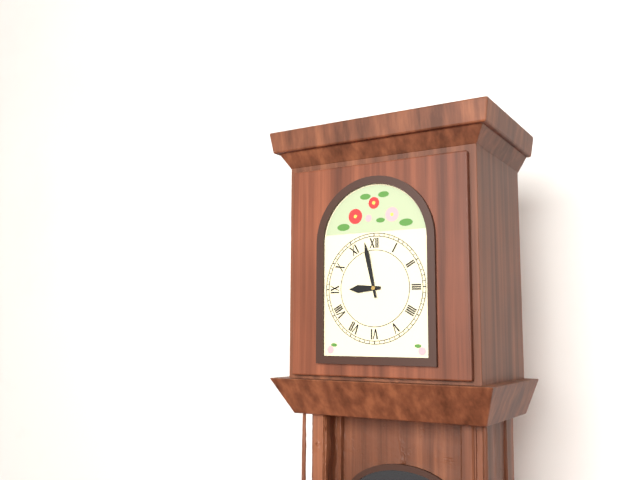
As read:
h=8 m=58
